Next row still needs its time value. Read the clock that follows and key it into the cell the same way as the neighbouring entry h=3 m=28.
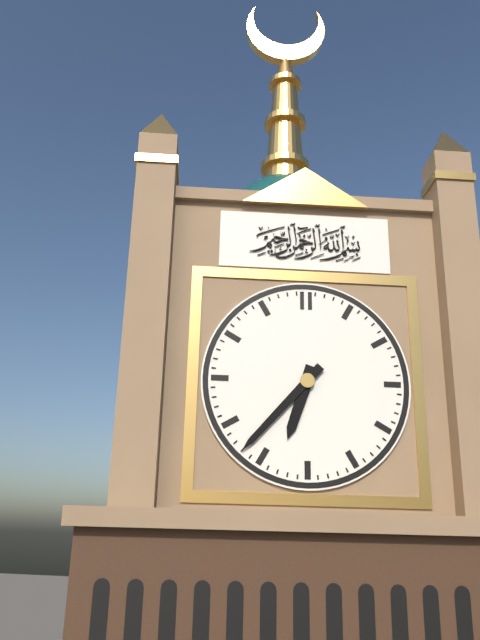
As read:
h=6 m=37
